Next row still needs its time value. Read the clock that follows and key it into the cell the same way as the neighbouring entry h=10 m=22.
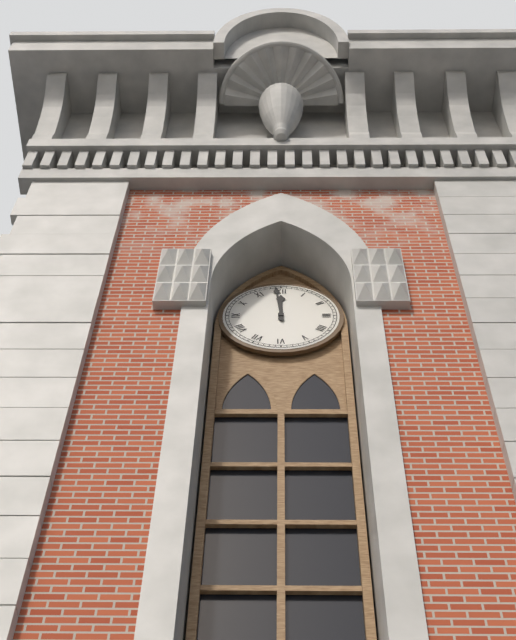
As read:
h=11 m=59
